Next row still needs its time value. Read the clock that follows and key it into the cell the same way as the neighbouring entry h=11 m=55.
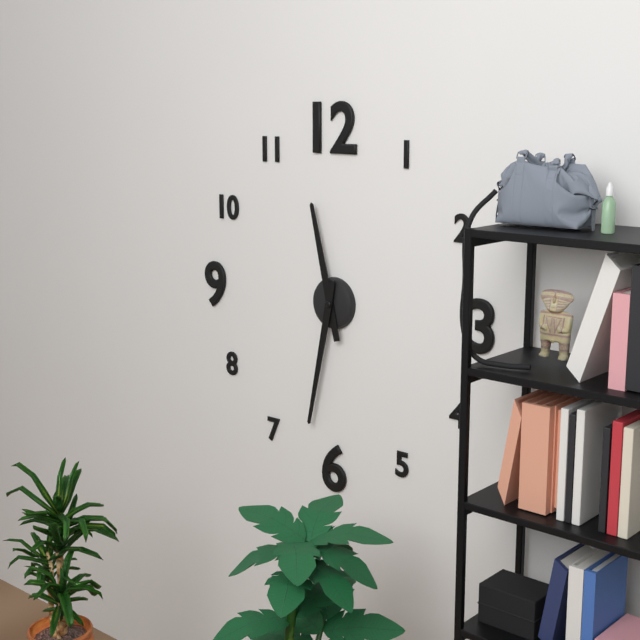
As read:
h=11 m=32
